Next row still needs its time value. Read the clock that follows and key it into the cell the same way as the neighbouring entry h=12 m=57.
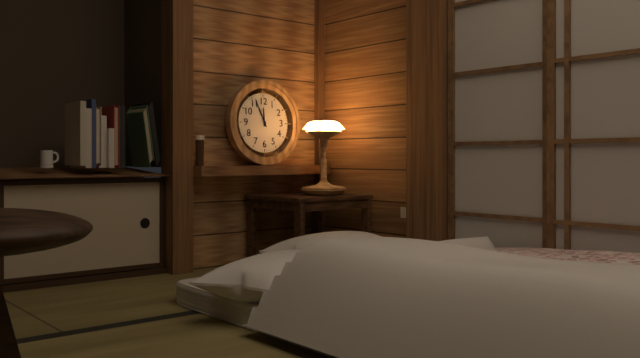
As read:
h=11 m=56
